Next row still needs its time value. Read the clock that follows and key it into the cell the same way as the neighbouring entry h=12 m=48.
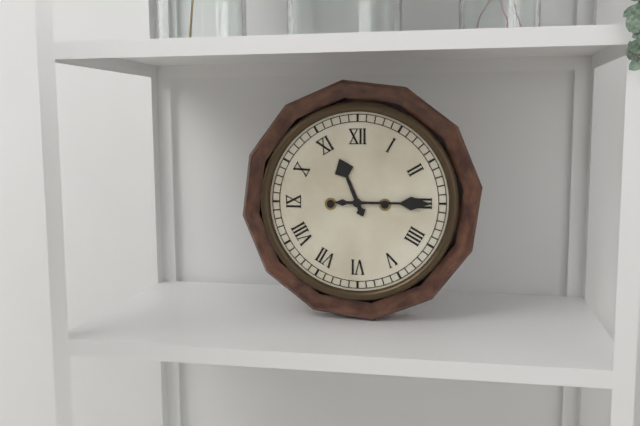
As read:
h=11 m=15
